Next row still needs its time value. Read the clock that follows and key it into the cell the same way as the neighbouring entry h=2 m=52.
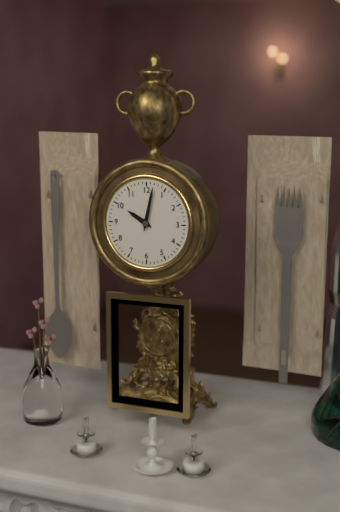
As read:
h=10 m=2
